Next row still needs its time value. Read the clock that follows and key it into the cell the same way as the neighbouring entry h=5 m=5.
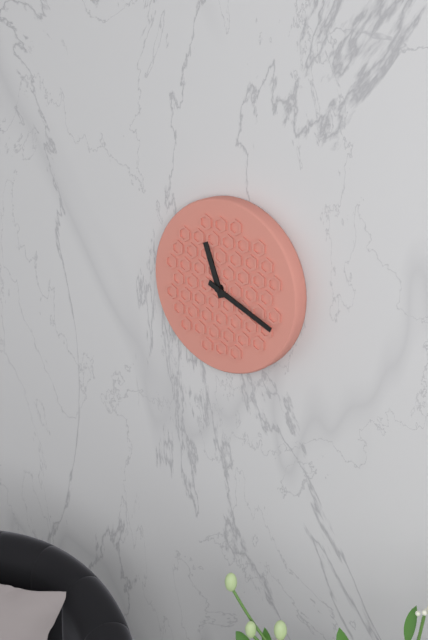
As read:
h=11 m=19
